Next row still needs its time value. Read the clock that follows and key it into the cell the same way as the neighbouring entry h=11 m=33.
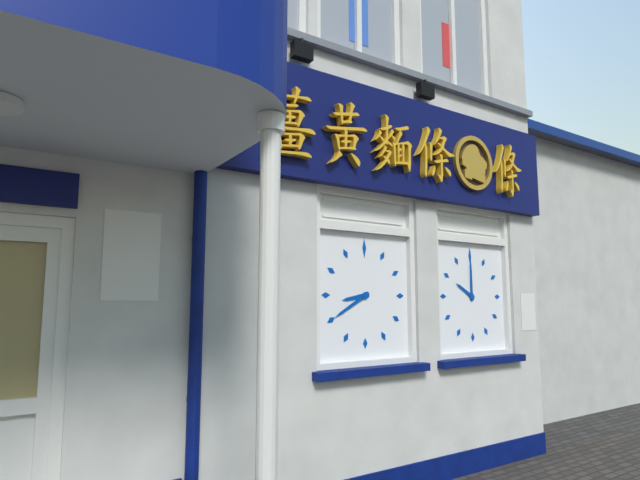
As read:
h=8 m=40
